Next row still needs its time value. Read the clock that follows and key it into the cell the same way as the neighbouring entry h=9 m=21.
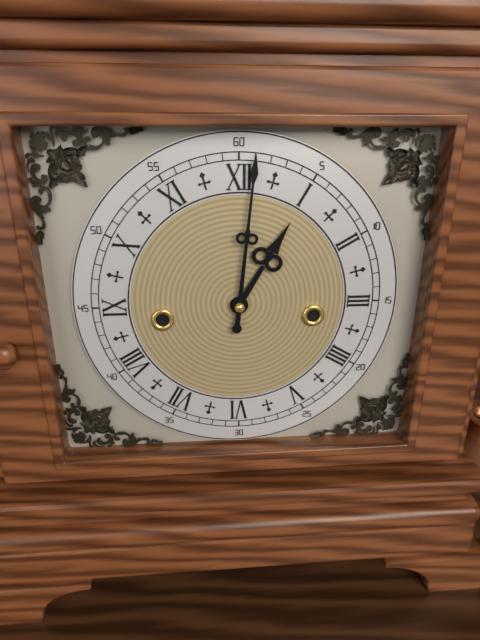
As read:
h=1 m=1
